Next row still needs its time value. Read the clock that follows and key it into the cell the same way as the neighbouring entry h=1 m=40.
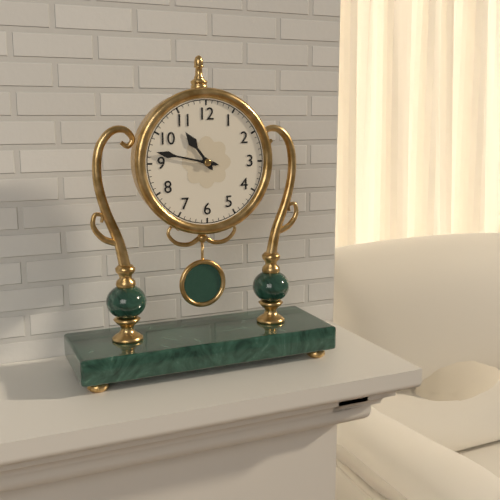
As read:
h=10 m=47
